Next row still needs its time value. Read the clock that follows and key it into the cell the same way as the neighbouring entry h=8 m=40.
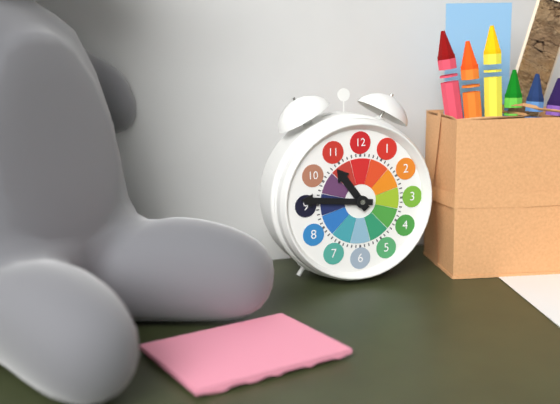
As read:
h=10 m=46
